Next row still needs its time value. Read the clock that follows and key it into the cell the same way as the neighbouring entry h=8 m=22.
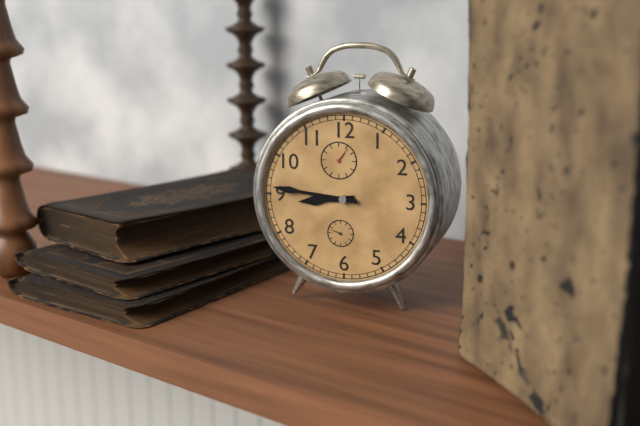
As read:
h=8 m=46
